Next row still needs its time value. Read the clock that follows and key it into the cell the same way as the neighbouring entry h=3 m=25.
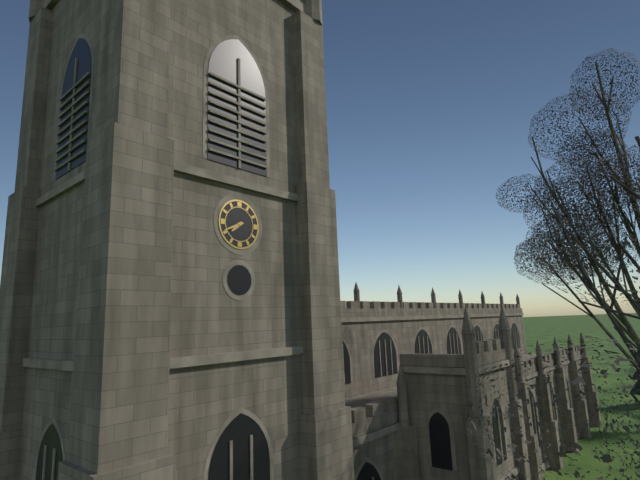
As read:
h=7 m=41
